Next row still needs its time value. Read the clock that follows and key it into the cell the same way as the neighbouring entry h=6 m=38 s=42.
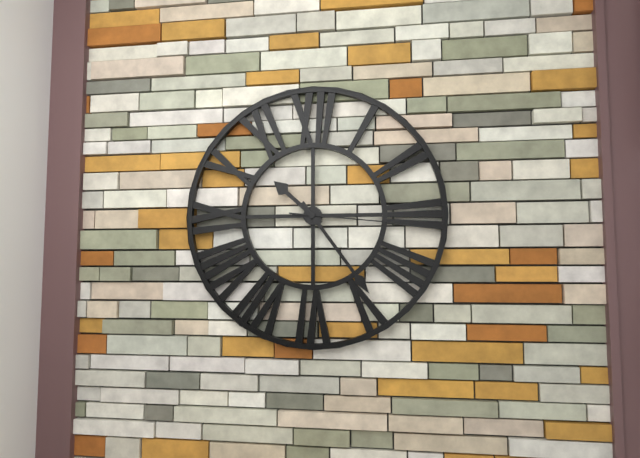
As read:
h=10 m=24 s=16
